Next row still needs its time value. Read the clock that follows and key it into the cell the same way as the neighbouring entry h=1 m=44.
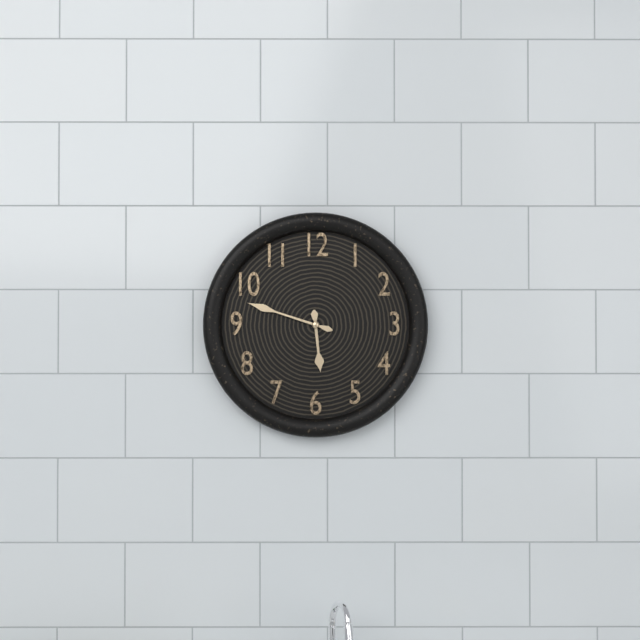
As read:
h=5 m=48
